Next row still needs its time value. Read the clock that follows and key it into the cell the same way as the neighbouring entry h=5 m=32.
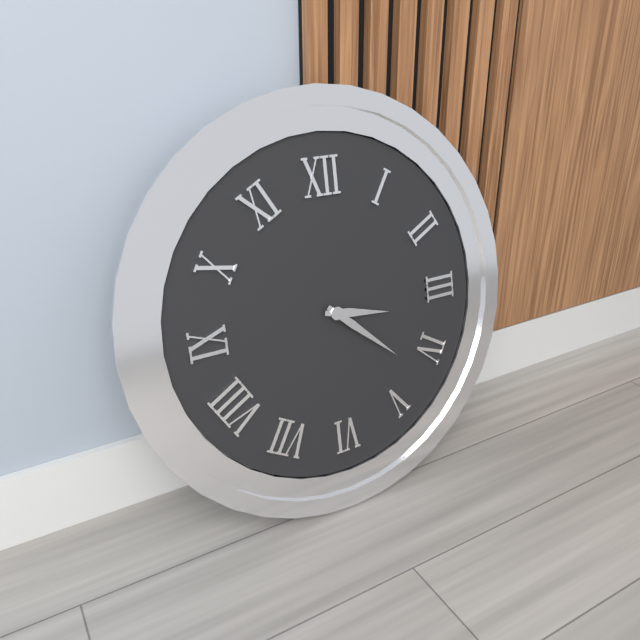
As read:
h=3 m=22
